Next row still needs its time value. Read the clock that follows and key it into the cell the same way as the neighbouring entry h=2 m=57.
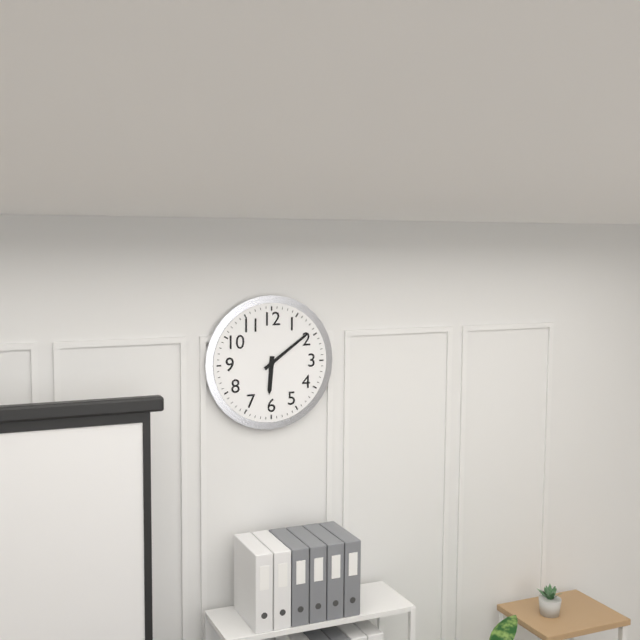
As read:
h=6 m=9
